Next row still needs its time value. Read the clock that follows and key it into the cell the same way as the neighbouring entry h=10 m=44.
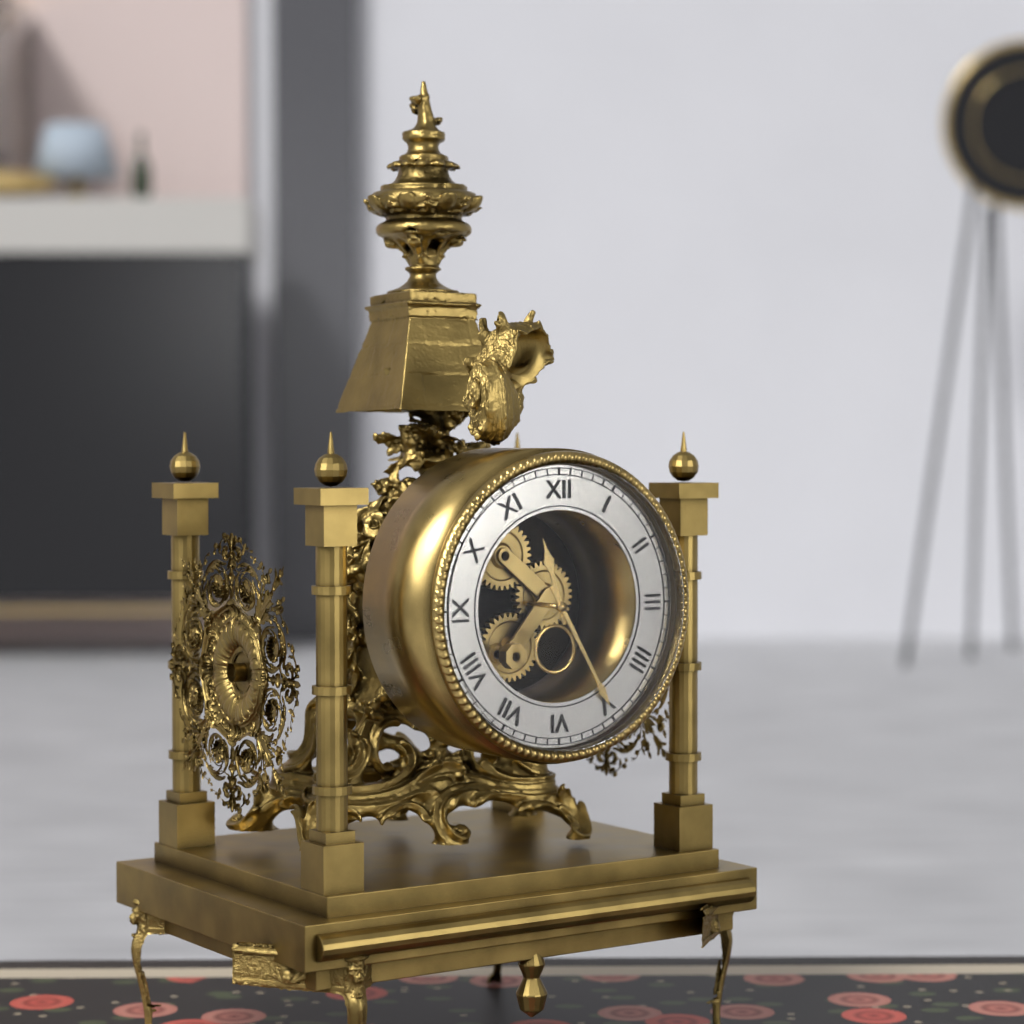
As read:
h=11 m=25
